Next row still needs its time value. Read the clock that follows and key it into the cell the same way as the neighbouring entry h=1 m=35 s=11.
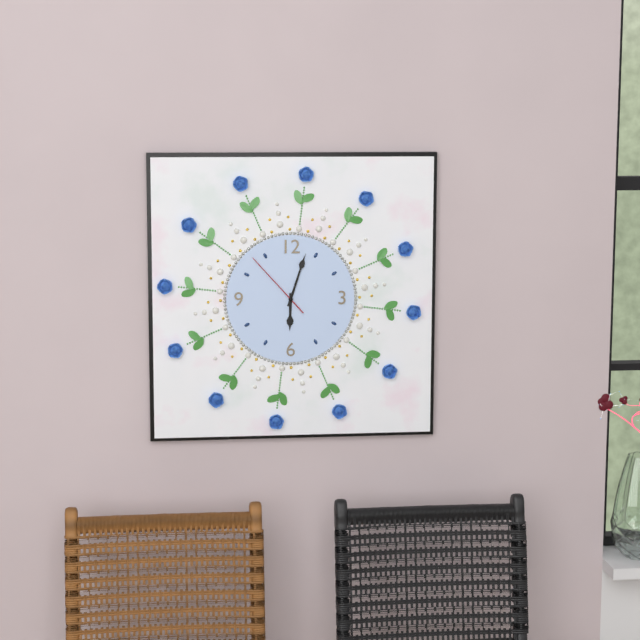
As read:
h=6 m=3 s=53
